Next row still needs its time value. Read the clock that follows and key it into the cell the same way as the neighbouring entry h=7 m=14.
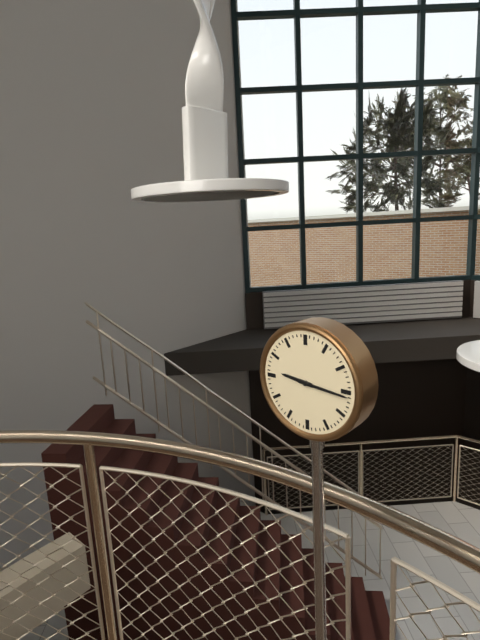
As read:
h=9 m=16
